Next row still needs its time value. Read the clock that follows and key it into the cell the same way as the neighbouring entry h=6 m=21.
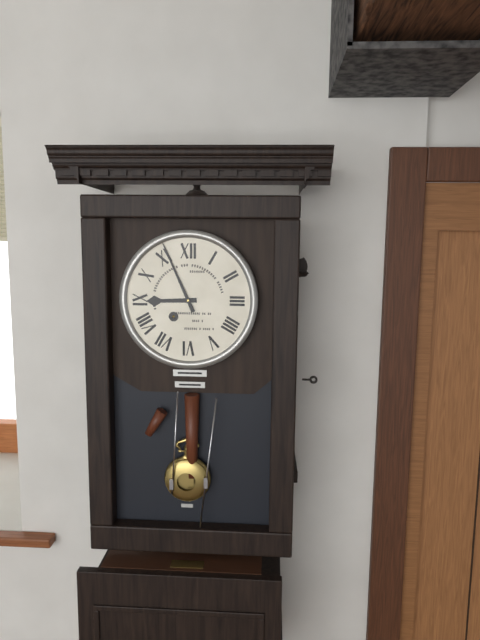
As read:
h=8 m=56
